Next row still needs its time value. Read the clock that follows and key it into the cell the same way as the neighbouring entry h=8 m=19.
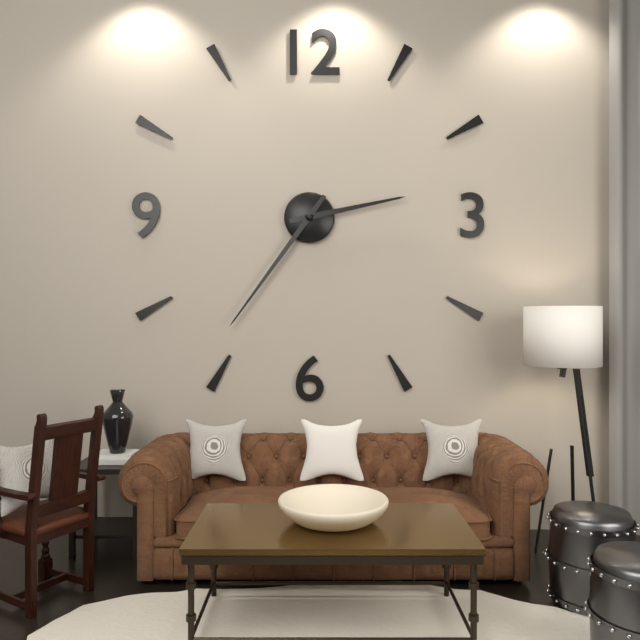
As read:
h=2 m=36
